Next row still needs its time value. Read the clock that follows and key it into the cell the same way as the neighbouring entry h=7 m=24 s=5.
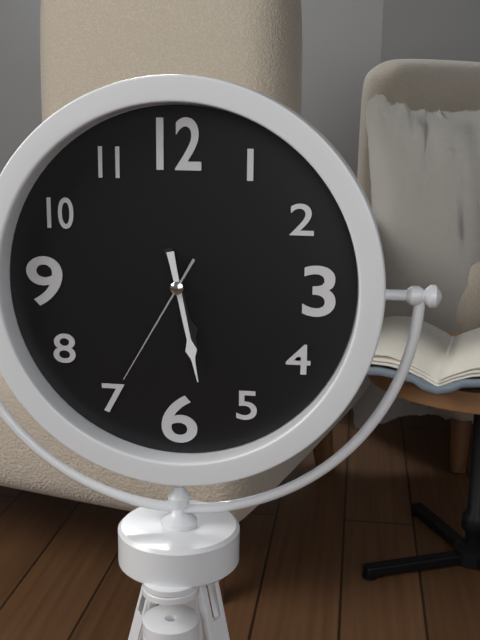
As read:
h=5 m=28 s=35
